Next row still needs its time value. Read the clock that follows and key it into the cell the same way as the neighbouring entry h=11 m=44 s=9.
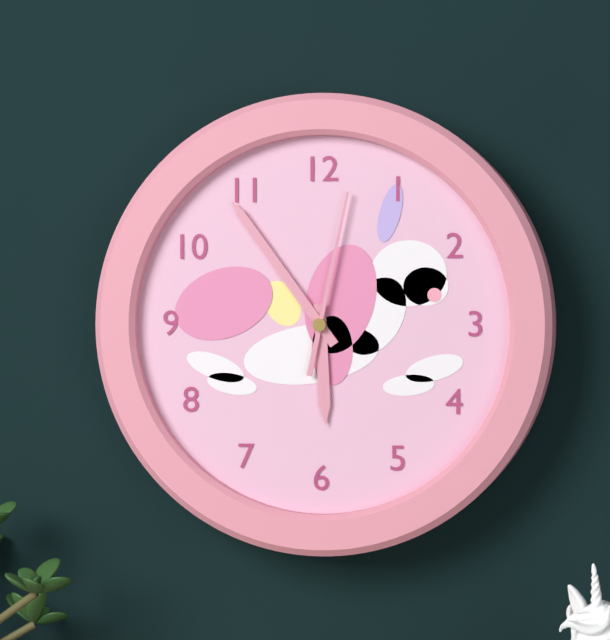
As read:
h=5 m=54 s=2
